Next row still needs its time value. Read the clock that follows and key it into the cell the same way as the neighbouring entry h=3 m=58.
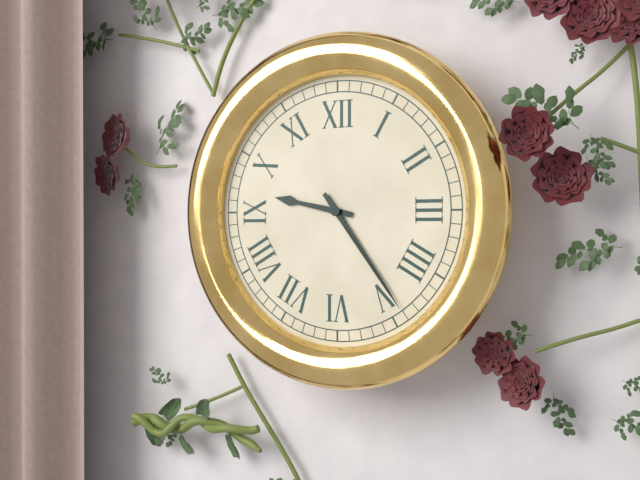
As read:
h=9 m=24
